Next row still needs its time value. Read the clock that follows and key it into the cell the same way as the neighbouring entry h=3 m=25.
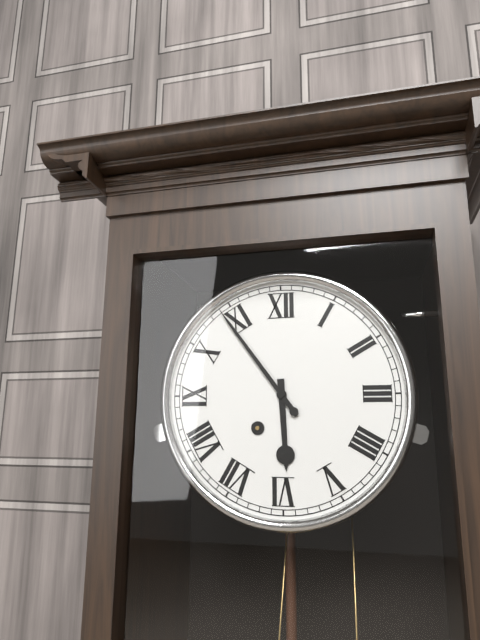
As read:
h=5 m=54
